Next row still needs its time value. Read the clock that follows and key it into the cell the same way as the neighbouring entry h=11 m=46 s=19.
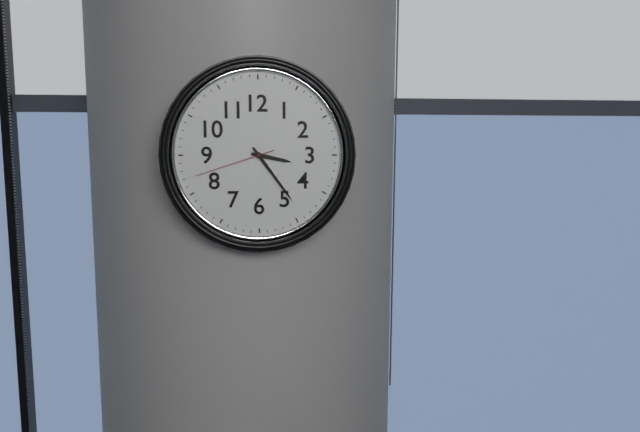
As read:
h=3 m=24 s=42
